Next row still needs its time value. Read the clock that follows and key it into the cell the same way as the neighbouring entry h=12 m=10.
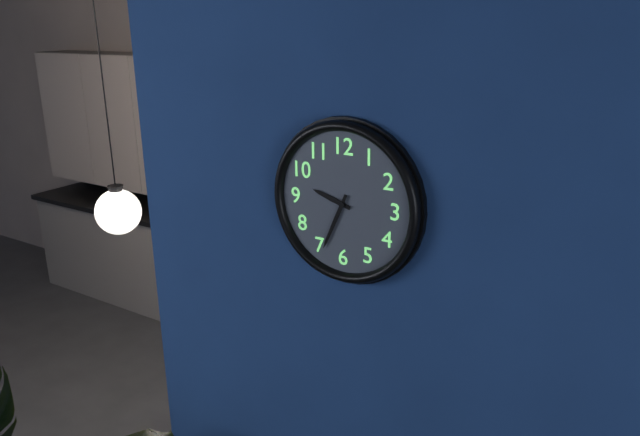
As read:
h=9 m=34
